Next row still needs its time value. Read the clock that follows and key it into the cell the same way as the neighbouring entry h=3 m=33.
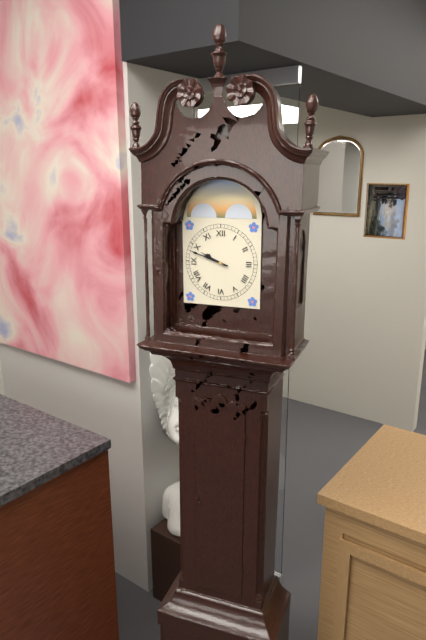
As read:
h=9 m=48
